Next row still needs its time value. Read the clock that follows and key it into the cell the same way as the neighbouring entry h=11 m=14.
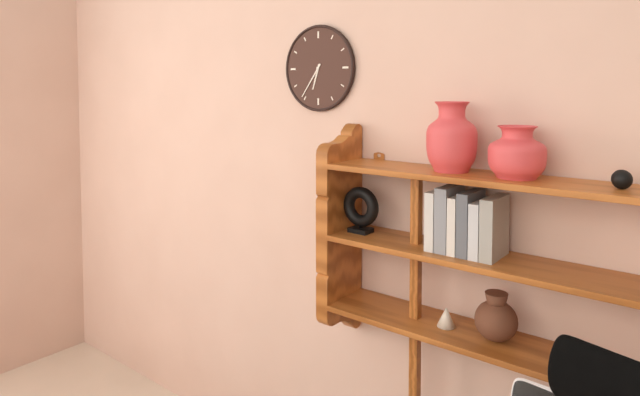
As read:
h=6 m=36
